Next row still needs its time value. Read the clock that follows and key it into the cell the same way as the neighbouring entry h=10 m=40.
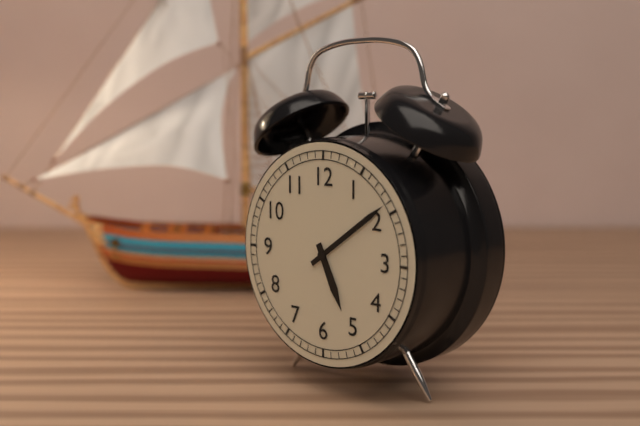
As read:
h=5 m=9
